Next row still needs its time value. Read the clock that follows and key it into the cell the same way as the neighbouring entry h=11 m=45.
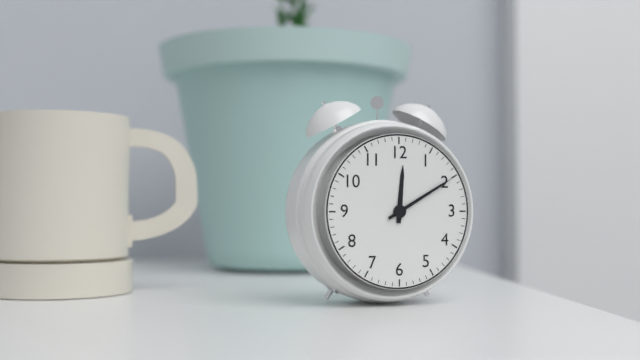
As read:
h=12 m=10
